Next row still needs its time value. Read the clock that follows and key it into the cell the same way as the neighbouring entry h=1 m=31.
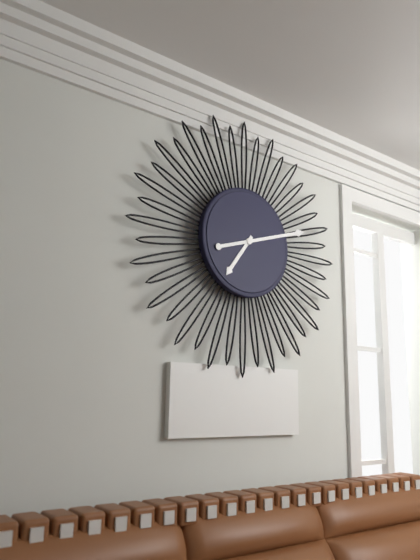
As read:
h=7 m=12
